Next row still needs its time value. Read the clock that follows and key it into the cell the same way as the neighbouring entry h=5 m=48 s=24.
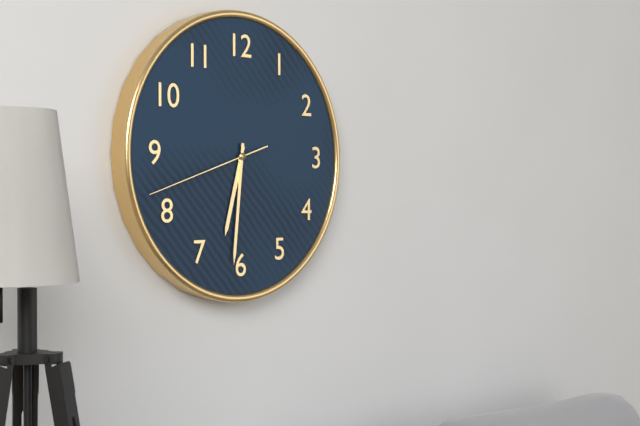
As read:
h=6 m=31 s=42
